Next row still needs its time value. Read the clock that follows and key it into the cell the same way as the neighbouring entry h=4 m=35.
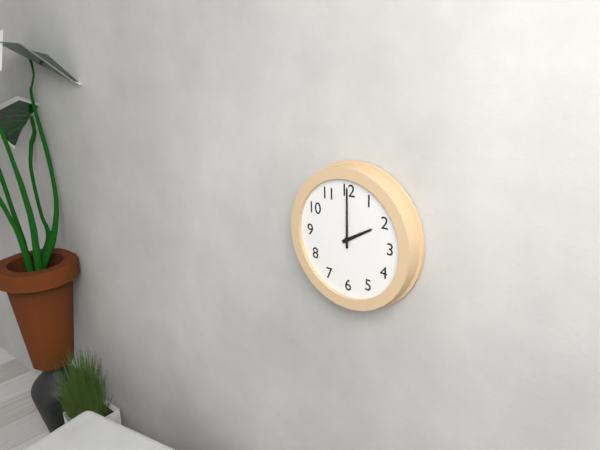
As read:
h=2 m=0
